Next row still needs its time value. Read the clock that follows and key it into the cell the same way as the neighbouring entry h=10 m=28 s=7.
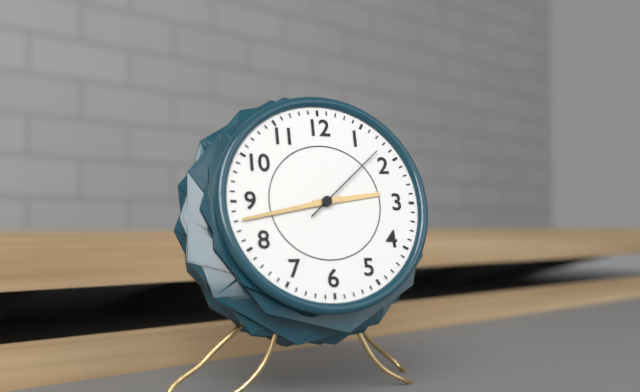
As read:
h=2 m=43 s=8
